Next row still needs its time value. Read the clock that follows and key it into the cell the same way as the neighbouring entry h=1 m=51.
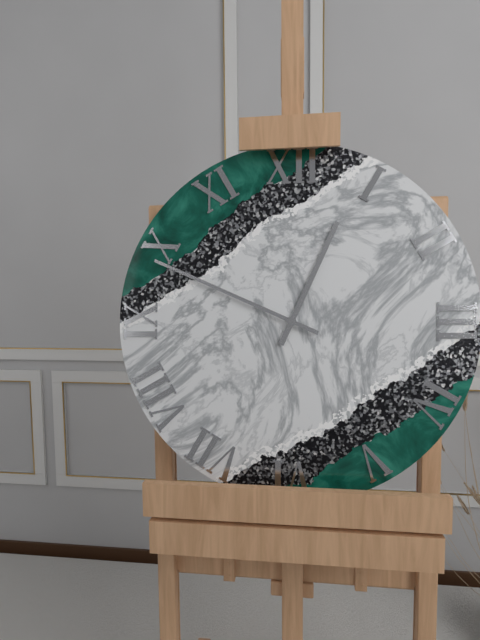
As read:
h=12 m=49
